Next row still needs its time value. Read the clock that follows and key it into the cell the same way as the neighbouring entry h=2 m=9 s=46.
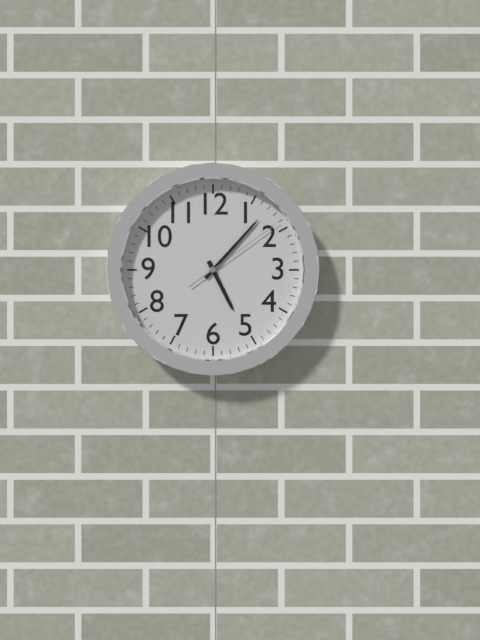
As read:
h=5 m=7 s=9
